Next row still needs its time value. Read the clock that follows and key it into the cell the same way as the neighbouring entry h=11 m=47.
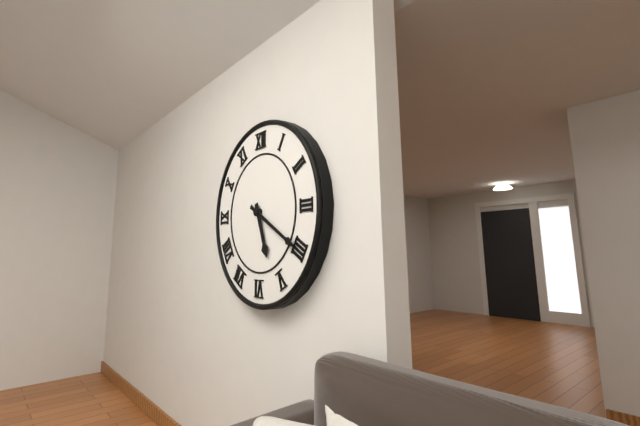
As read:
h=5 m=20
